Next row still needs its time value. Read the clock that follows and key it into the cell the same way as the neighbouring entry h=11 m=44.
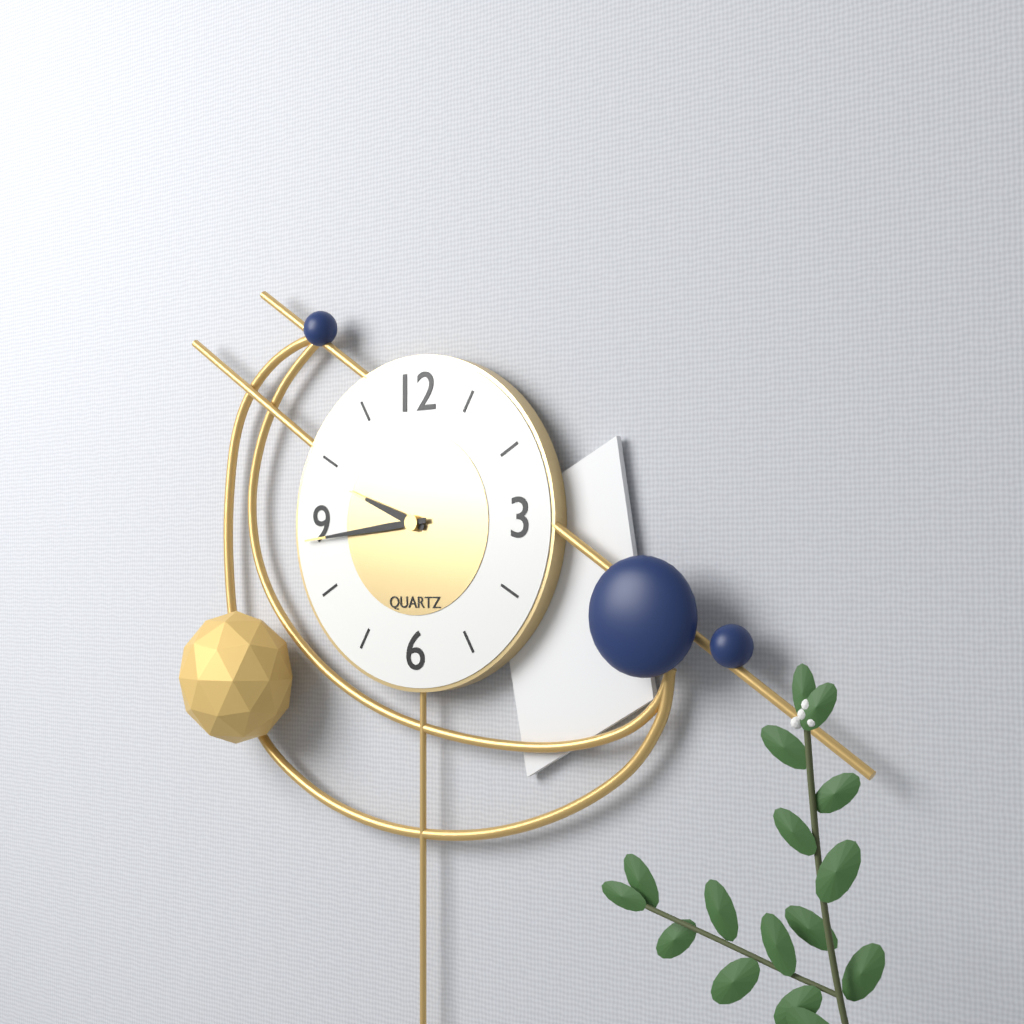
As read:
h=9 m=44
